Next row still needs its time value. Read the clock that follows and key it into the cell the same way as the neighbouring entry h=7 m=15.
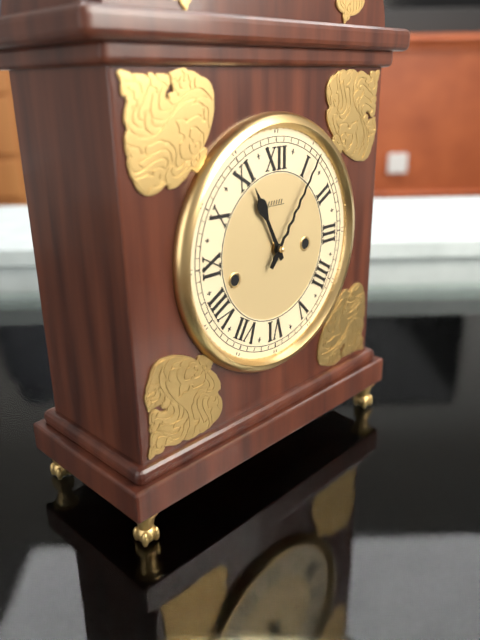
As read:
h=11 m=6
